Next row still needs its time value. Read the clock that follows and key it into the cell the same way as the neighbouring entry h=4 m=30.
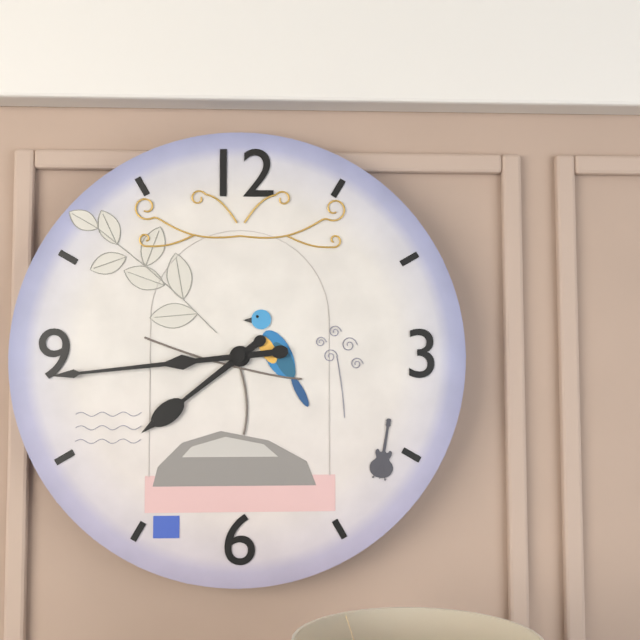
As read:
h=7 m=44
